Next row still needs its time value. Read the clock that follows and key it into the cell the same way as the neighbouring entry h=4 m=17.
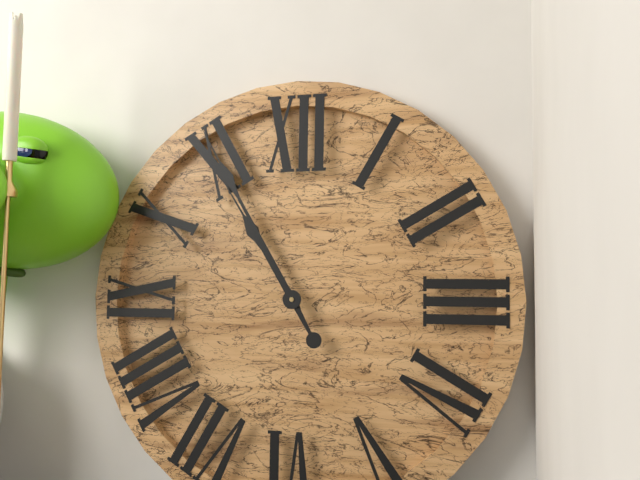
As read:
h=10 m=55
